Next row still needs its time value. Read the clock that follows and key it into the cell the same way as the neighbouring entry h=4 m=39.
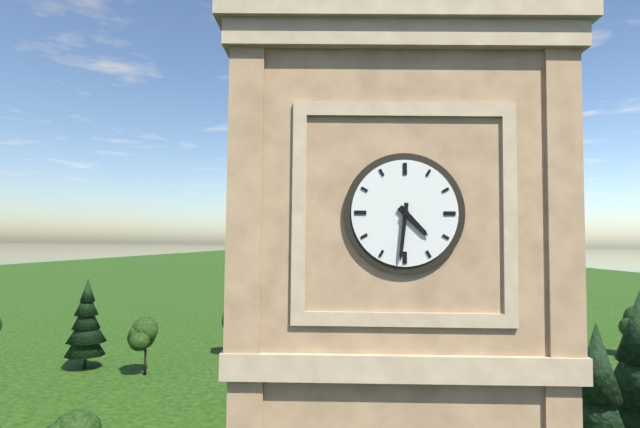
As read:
h=4 m=31
